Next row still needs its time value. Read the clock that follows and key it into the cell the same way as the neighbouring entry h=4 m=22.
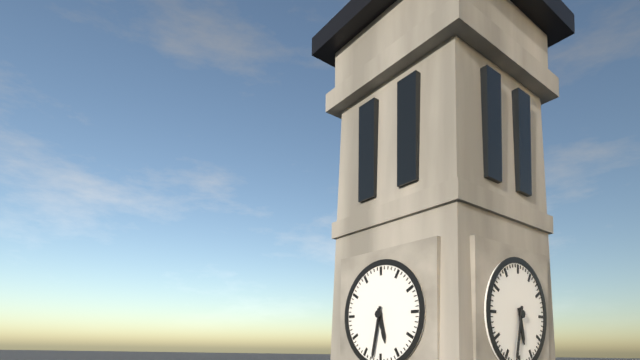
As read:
h=5 m=32
